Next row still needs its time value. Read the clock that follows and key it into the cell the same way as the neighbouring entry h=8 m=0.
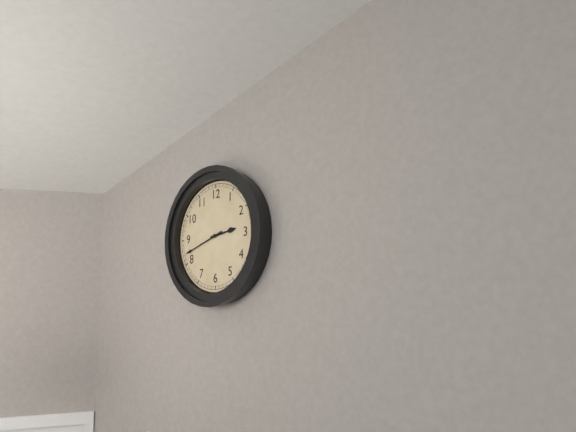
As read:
h=2 m=42
